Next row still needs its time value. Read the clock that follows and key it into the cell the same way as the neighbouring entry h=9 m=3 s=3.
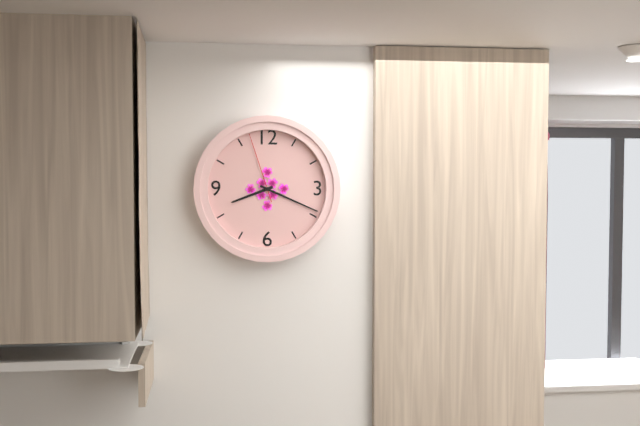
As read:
h=8 m=19 s=57
